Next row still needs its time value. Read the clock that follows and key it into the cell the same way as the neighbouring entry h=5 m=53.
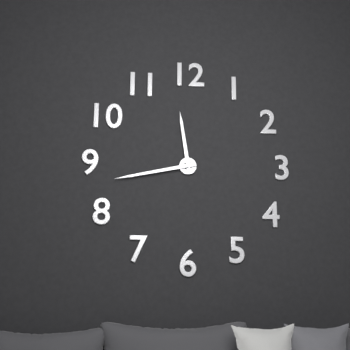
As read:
h=11 m=43
